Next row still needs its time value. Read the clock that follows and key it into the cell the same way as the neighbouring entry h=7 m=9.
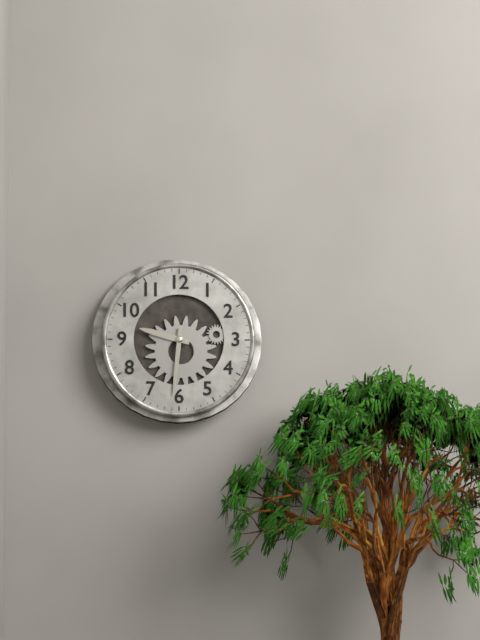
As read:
h=9 m=31
